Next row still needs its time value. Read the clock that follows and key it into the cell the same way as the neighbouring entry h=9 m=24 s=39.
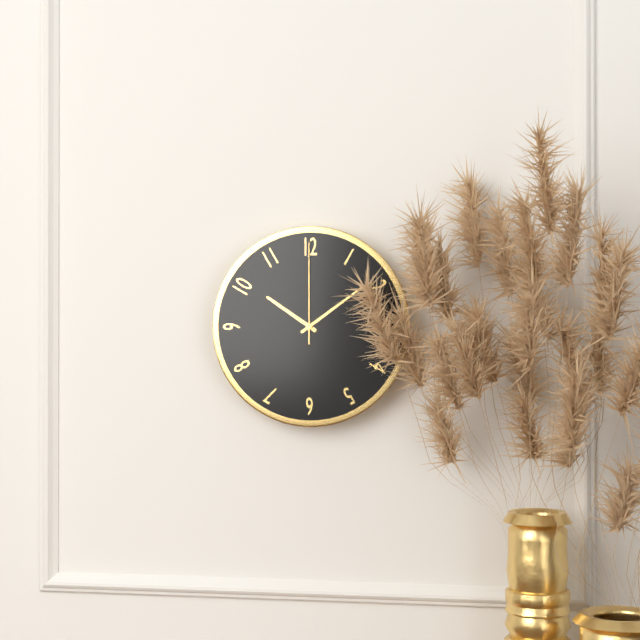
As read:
h=10 m=9 s=0
